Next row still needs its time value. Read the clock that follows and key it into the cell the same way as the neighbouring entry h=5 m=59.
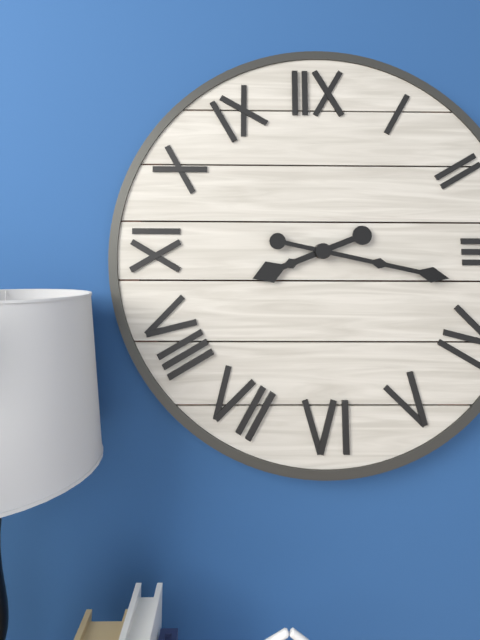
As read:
h=8 m=17
